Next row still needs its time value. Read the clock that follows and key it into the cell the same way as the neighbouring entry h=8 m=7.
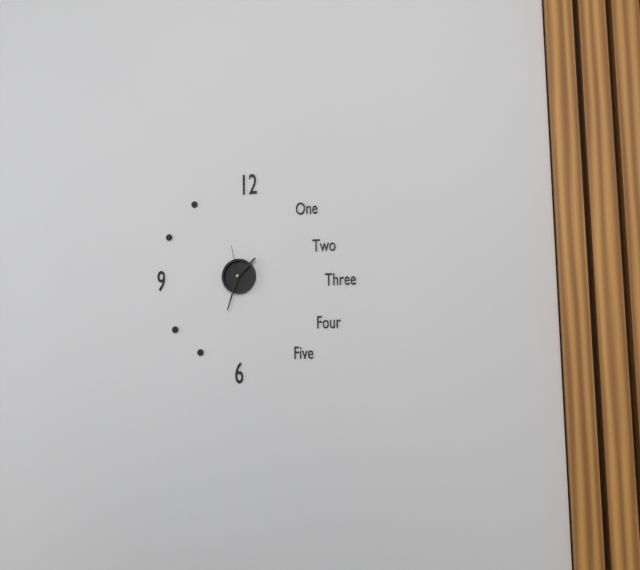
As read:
h=1 m=33
